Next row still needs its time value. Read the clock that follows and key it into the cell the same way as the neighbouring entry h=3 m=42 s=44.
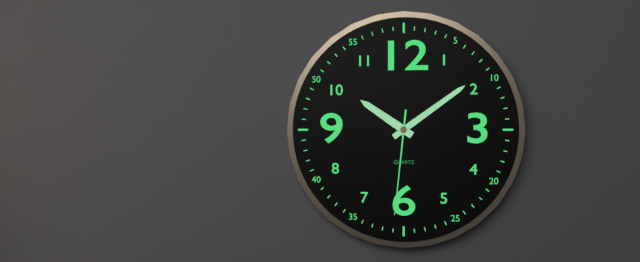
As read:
h=10 m=9 s=31
